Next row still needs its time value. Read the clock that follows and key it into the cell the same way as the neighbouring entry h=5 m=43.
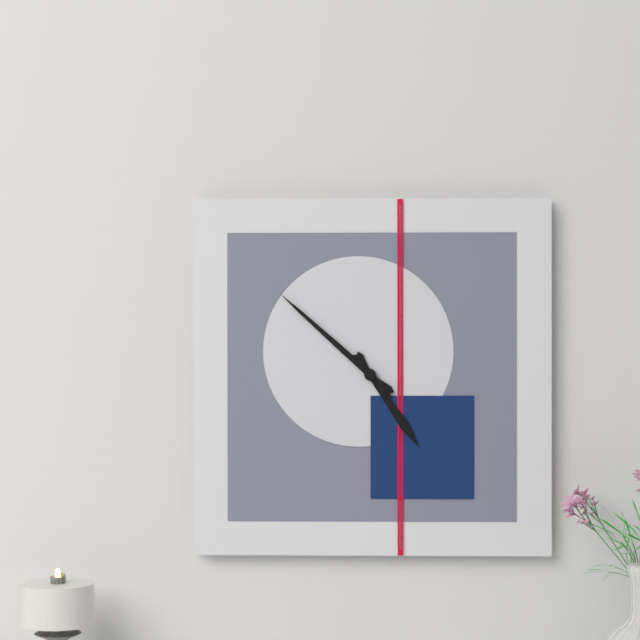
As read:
h=4 m=52
